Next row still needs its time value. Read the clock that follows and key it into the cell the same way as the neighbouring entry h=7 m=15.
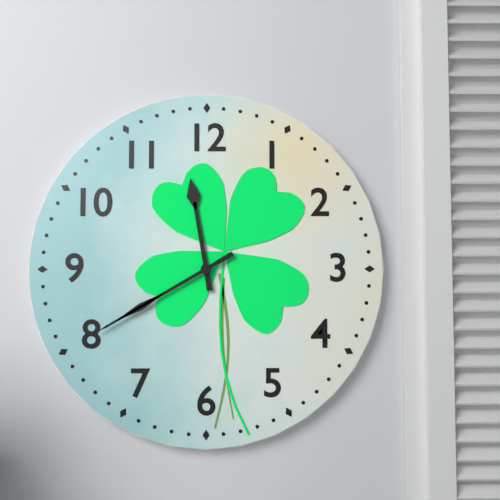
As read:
h=11 m=40
